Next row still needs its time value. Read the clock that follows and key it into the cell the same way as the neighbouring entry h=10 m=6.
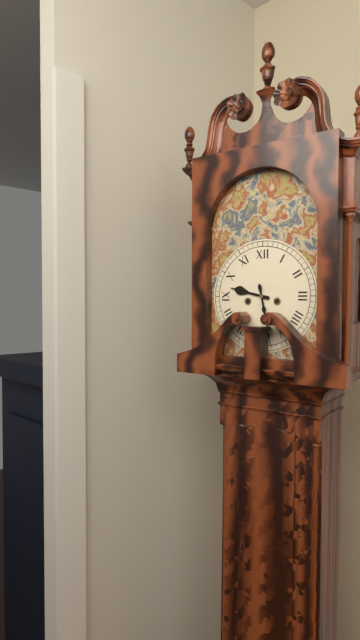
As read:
h=9 m=28
